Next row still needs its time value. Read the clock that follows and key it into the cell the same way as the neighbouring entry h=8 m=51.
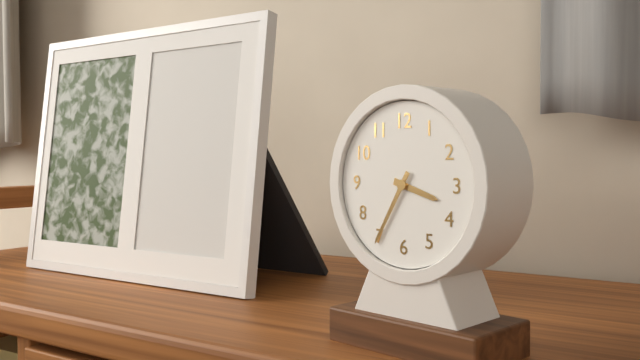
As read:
h=3 m=35
